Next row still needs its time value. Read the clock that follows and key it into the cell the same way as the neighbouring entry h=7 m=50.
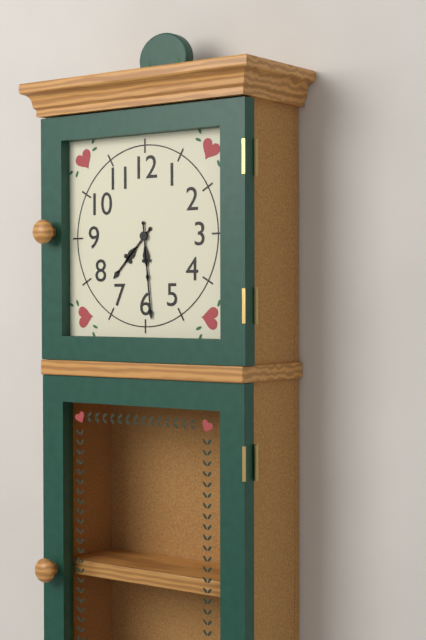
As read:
h=7 m=29
